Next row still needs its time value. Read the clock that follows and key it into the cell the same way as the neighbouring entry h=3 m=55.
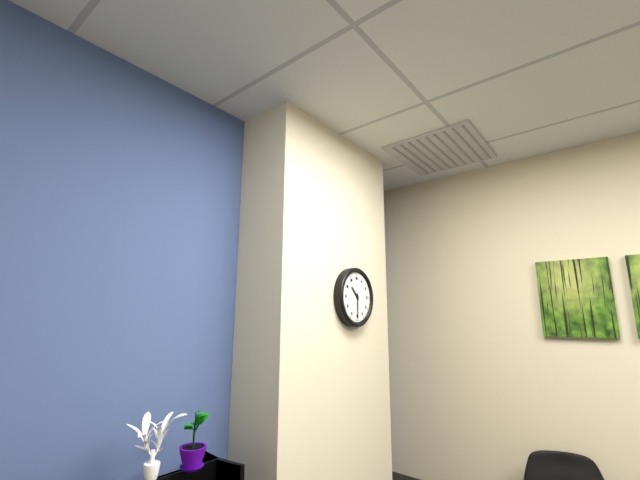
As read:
h=10 m=30
